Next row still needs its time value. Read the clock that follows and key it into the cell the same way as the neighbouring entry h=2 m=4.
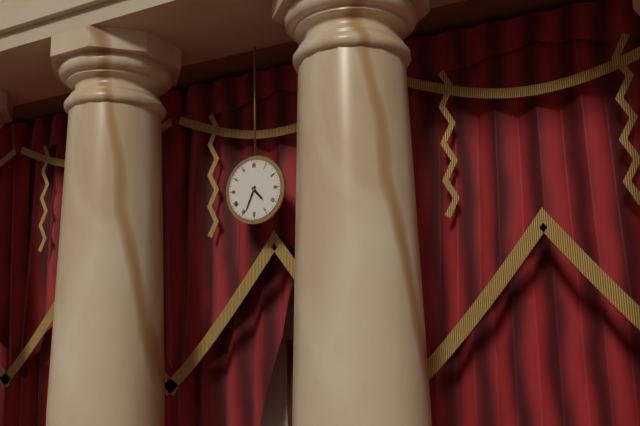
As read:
h=4 m=34
